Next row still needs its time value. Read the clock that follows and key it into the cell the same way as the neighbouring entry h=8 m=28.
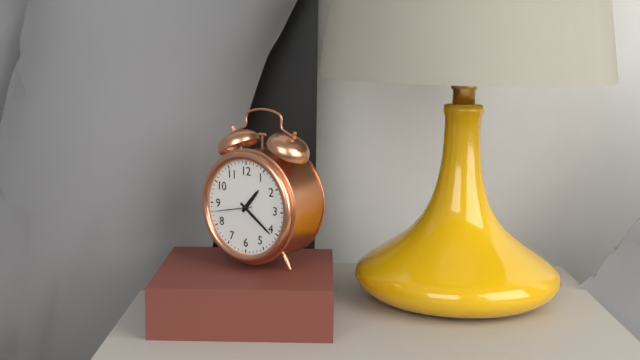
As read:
h=1 m=21
